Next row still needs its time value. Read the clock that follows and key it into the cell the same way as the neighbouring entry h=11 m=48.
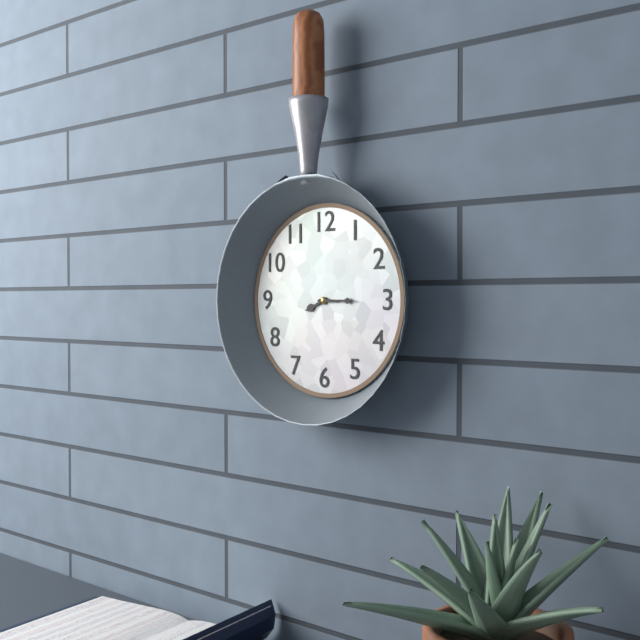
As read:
h=8 m=15
